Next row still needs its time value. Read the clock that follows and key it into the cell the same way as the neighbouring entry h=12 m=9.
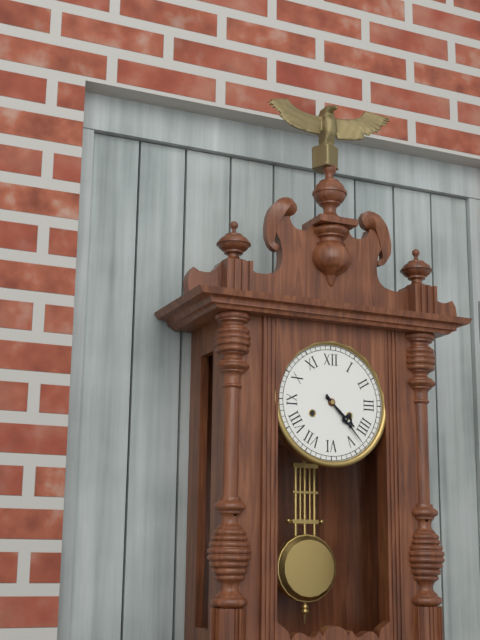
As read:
h=4 m=23
